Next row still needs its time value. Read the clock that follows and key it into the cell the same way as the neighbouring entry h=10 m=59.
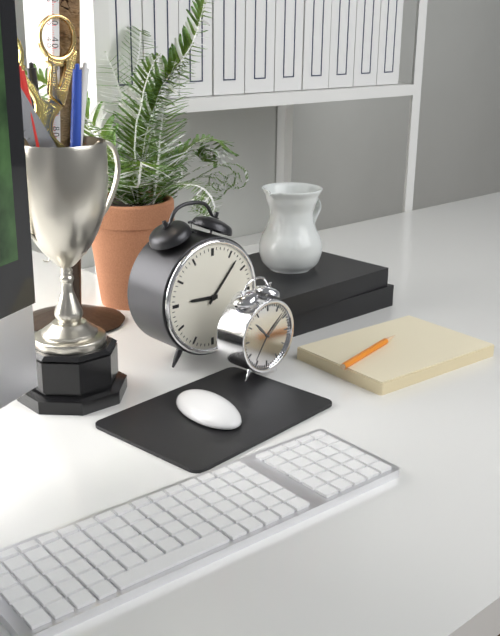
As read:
h=9 m=7
